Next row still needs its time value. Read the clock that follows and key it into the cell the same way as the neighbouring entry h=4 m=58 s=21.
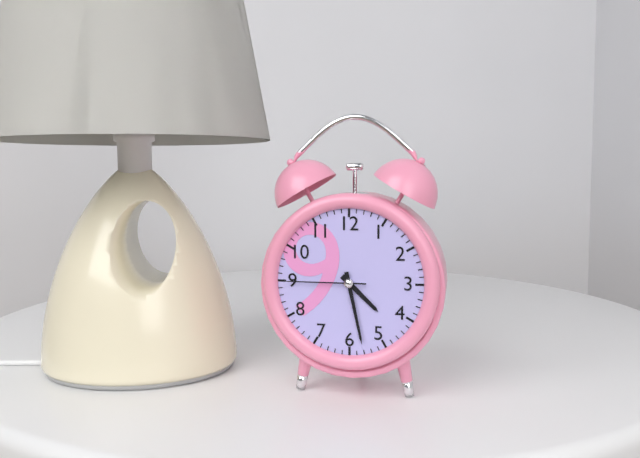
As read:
h=4 m=28 s=45
